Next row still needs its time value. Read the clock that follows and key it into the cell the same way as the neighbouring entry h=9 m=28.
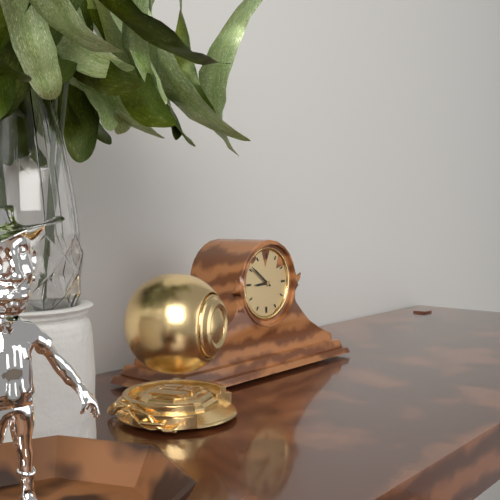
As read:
h=8 m=51
